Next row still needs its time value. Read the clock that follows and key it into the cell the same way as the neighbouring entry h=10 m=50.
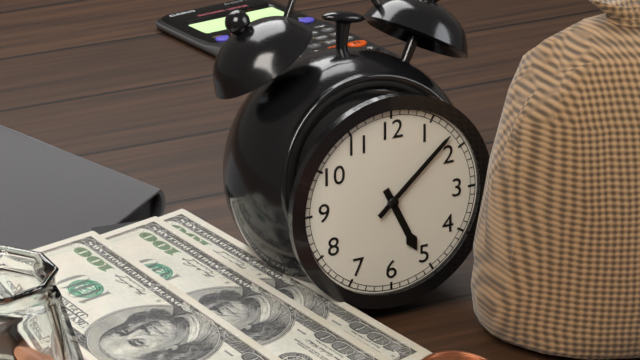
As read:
h=5 m=8
